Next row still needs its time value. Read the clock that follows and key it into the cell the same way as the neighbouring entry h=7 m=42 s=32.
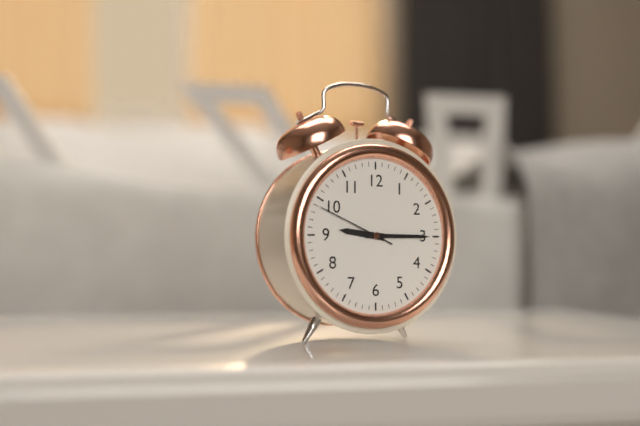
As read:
h=9 m=15 s=49
